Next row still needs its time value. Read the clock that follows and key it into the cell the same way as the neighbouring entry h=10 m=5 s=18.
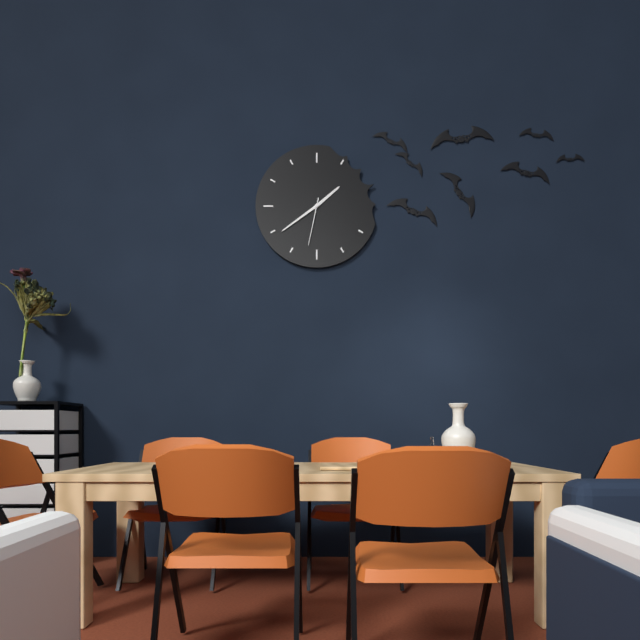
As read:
h=1 m=39 s=32
